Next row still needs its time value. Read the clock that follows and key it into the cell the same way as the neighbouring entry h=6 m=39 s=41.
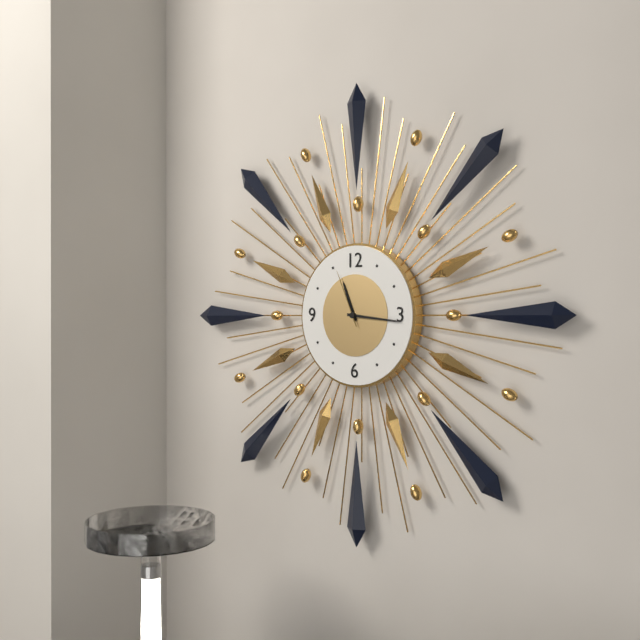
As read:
h=11 m=16 s=56
